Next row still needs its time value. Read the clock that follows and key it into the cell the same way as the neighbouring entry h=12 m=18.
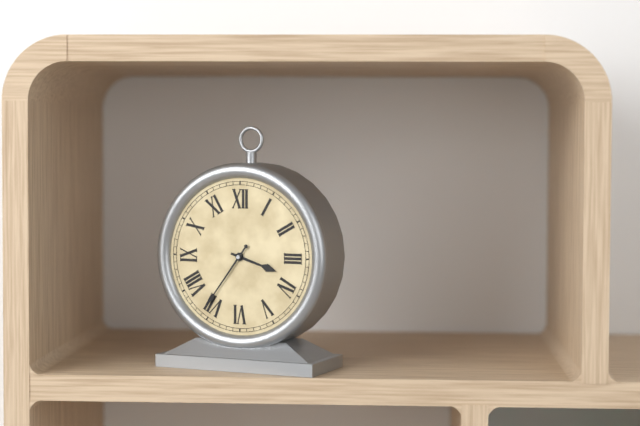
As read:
h=3 m=36
